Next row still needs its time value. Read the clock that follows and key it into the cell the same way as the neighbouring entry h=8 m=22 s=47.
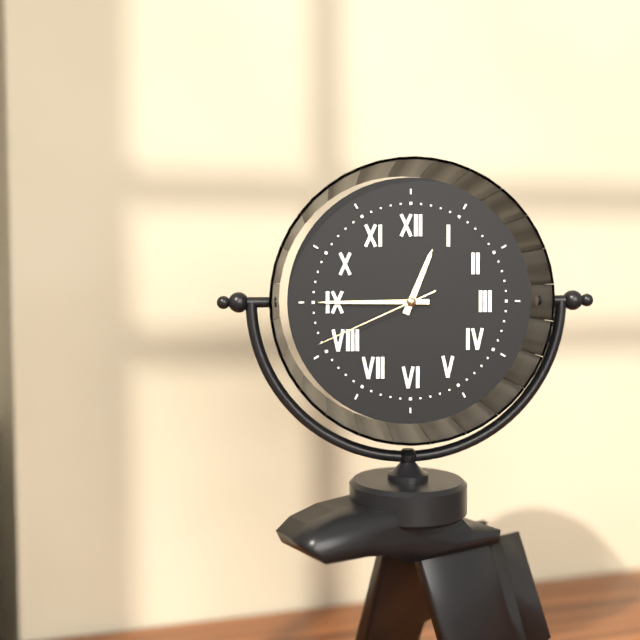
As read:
h=12 m=45 s=41
